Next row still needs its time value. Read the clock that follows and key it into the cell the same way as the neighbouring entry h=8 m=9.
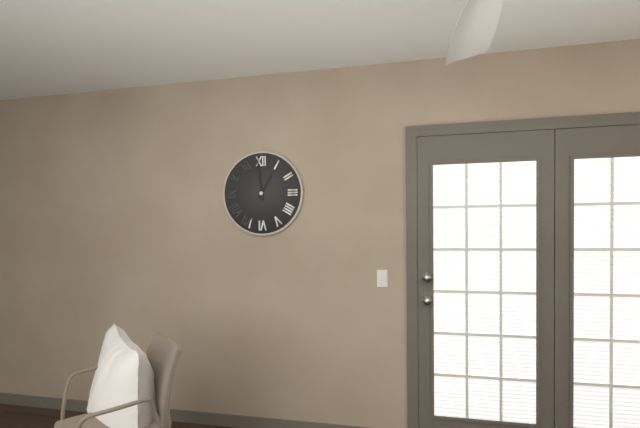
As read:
h=12 m=59
